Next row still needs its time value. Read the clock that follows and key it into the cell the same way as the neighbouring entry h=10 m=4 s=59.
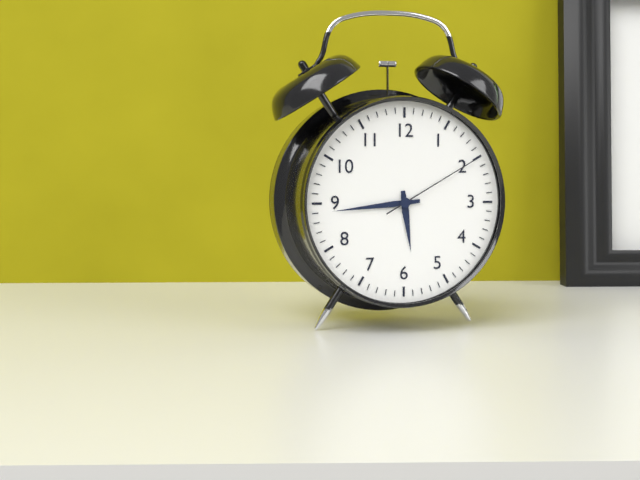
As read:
h=5 m=44 s=10
